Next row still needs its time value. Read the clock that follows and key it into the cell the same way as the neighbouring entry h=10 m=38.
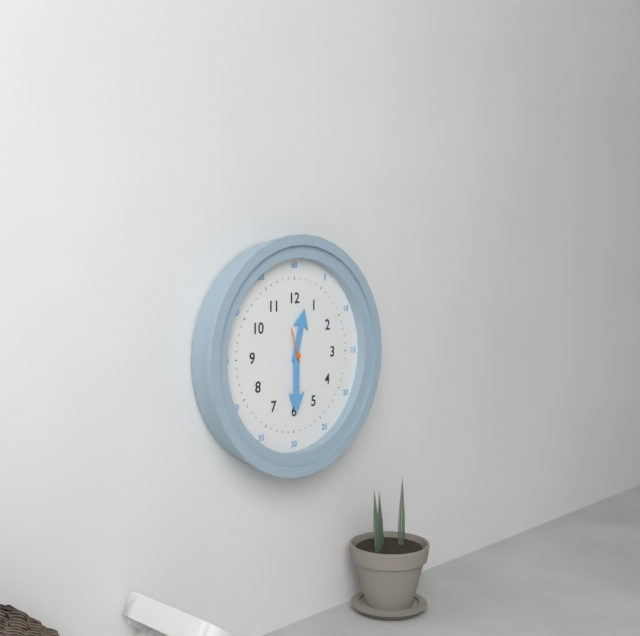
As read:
h=12 m=30
